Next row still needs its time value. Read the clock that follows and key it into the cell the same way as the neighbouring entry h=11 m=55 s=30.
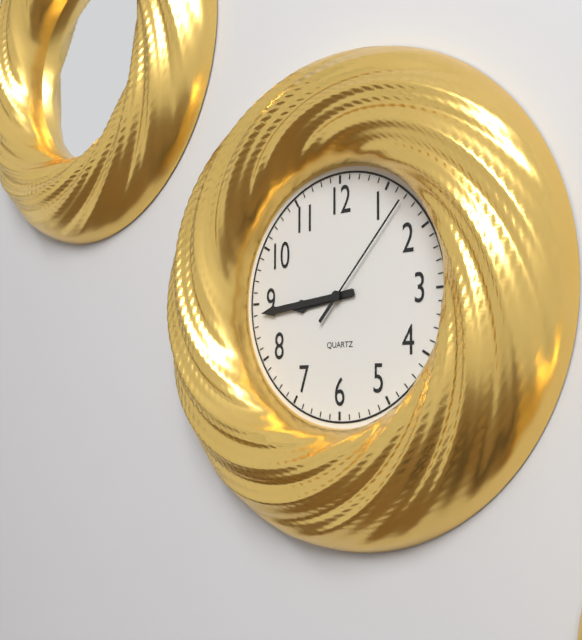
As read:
h=8 m=44 s=7
